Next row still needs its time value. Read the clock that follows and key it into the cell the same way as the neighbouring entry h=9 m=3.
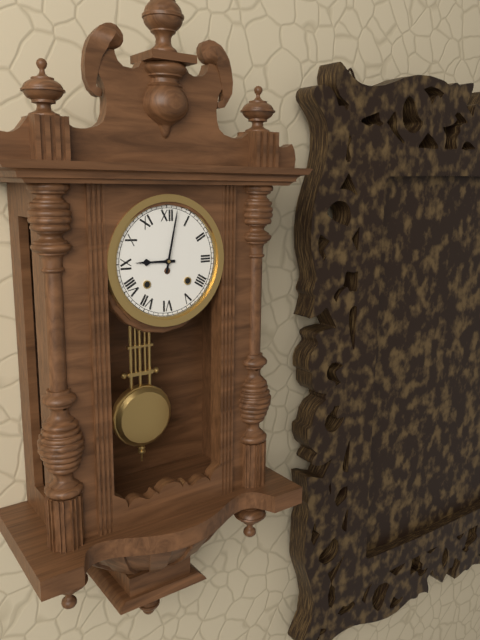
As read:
h=9 m=2
